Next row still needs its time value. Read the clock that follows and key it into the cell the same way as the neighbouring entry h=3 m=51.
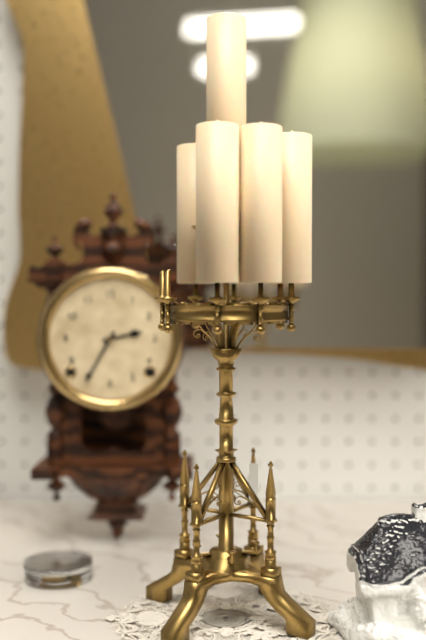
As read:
h=2 m=35
